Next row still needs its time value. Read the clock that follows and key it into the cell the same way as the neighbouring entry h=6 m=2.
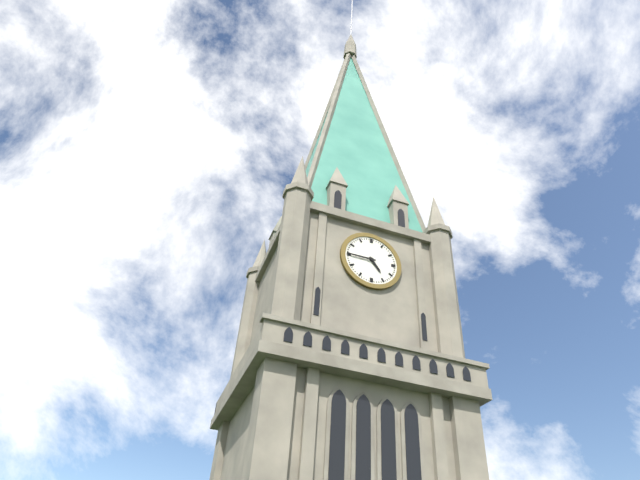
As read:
h=4 m=45
